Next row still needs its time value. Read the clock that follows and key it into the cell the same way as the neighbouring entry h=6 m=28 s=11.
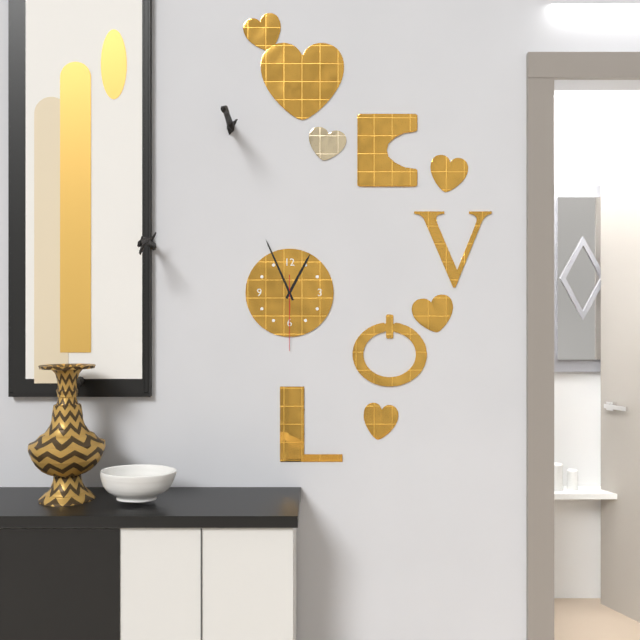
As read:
h=12 m=56 s=30
